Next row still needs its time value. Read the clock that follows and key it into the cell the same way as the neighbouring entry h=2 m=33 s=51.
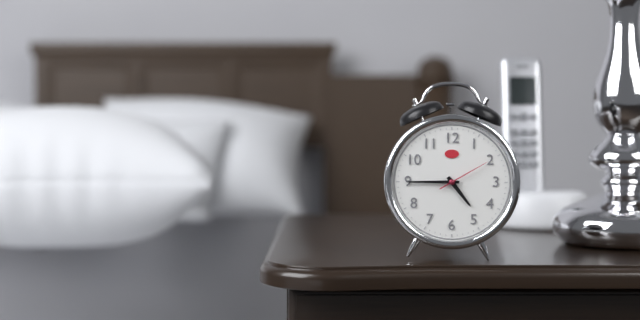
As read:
h=4 m=45 s=10
